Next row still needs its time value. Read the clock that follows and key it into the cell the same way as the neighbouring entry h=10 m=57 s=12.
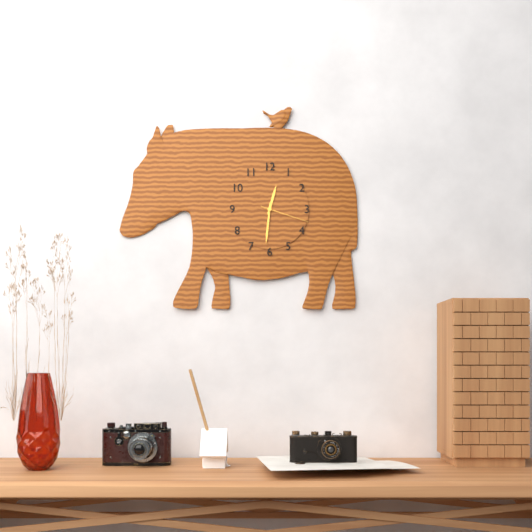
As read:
h=12 m=31 s=18
